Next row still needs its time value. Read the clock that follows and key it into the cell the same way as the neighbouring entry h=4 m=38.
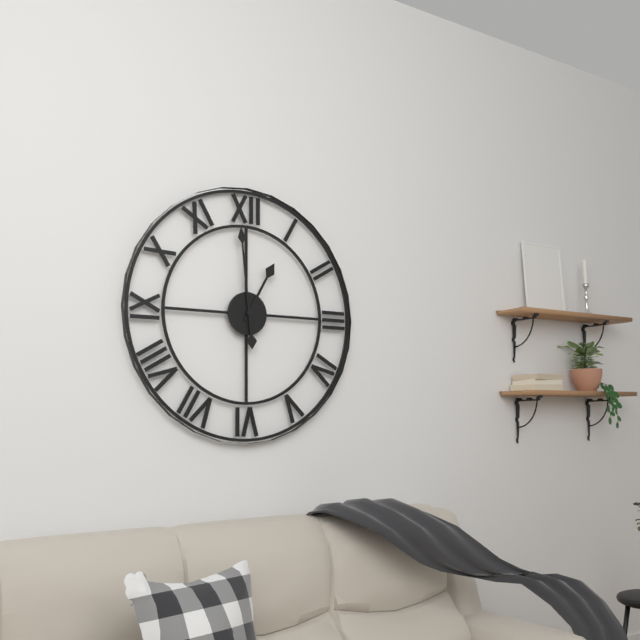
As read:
h=12 m=59
